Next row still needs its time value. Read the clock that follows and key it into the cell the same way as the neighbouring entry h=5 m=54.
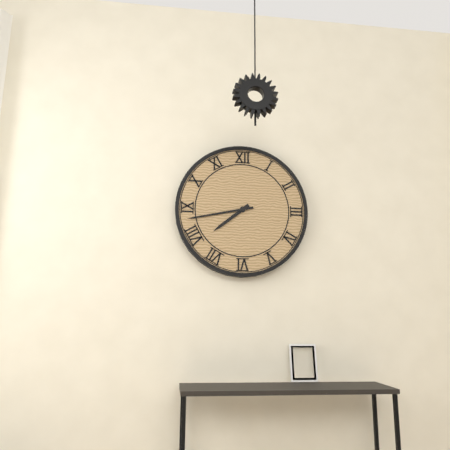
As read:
h=7 m=43
